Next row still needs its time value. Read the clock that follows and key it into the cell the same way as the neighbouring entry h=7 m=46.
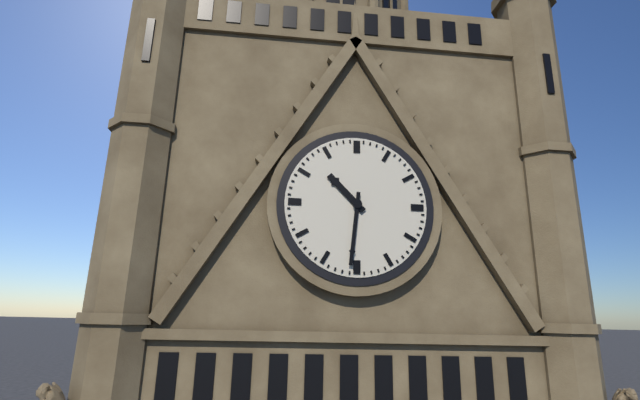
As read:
h=10 m=31
